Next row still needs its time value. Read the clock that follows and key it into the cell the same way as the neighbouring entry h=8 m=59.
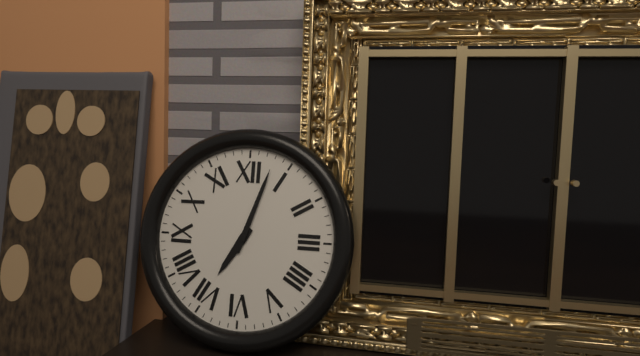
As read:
h=7 m=3
